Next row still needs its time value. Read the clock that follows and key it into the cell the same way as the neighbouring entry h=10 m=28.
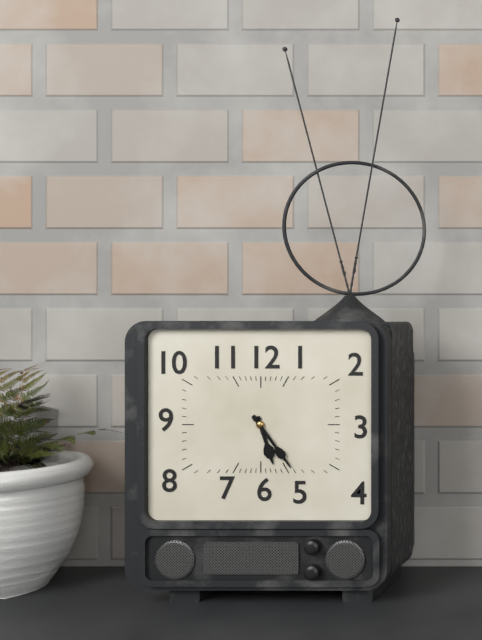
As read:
h=5 m=24
